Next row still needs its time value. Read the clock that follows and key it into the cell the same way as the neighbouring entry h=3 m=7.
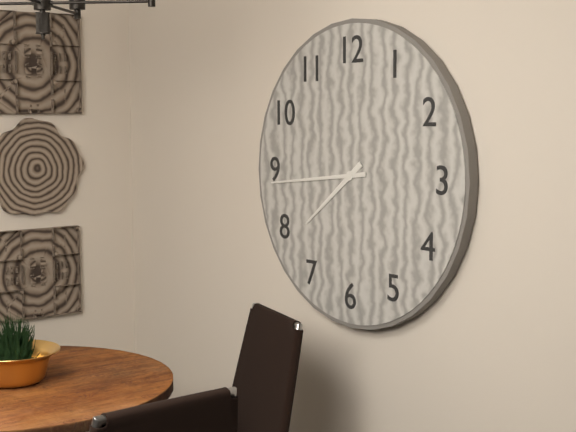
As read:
h=7 m=44
